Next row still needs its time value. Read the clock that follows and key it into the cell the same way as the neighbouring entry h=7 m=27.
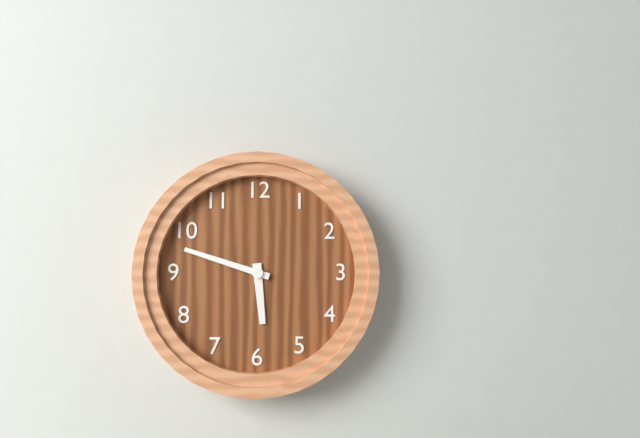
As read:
h=5 m=48
